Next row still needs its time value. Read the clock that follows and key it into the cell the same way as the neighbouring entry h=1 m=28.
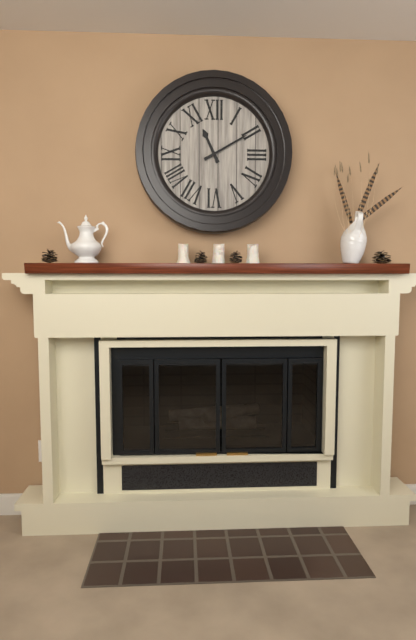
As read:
h=11 m=10
